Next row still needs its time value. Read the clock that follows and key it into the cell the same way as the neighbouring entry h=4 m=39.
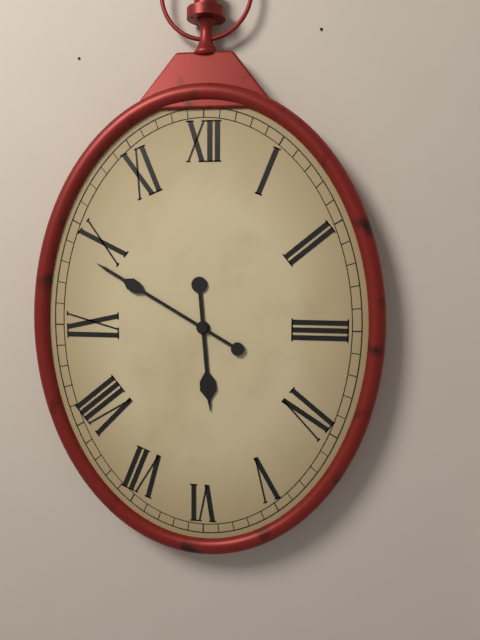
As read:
h=5 m=50
